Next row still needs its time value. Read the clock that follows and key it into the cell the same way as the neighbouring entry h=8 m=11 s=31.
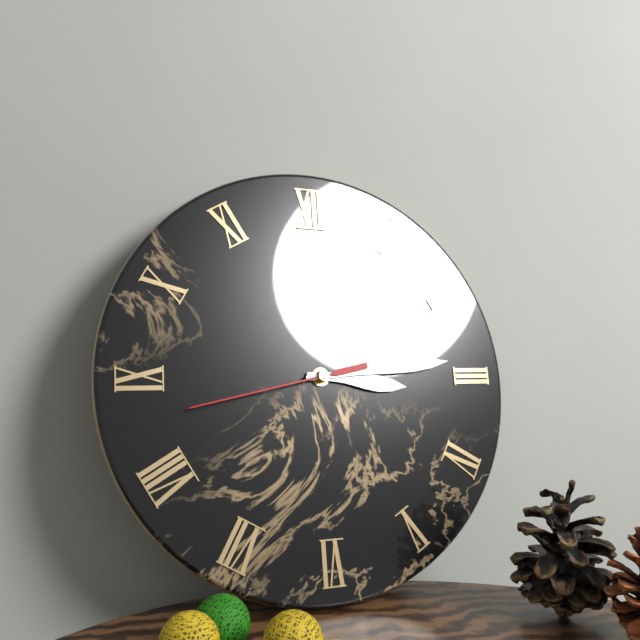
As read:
h=3 m=14 s=43
